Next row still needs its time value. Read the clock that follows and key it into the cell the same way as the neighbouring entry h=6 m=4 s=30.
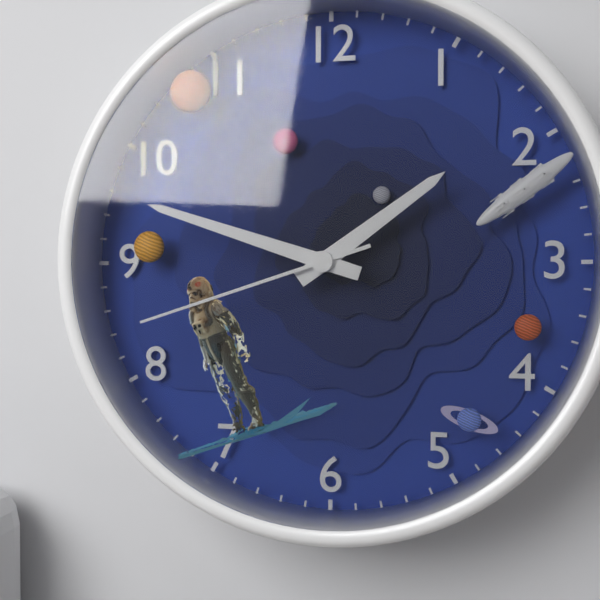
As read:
h=1 m=48 s=42
